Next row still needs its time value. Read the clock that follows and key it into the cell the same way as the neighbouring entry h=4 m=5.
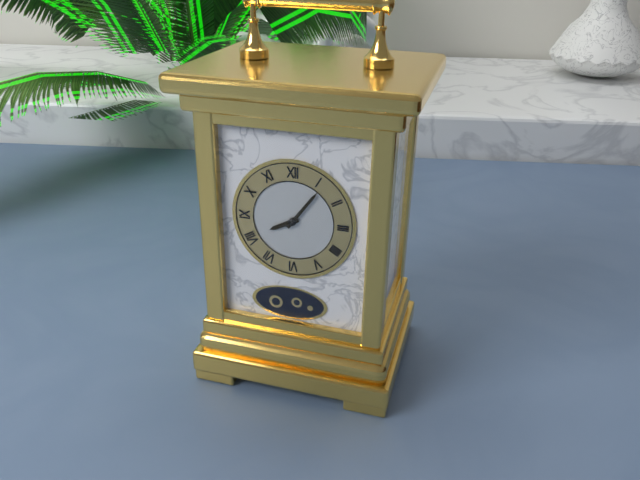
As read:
h=8 m=6
